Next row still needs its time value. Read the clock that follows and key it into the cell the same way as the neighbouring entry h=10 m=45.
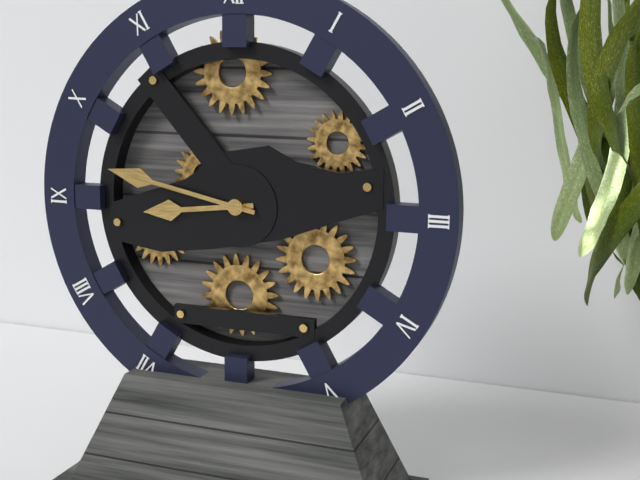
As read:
h=8 m=47
